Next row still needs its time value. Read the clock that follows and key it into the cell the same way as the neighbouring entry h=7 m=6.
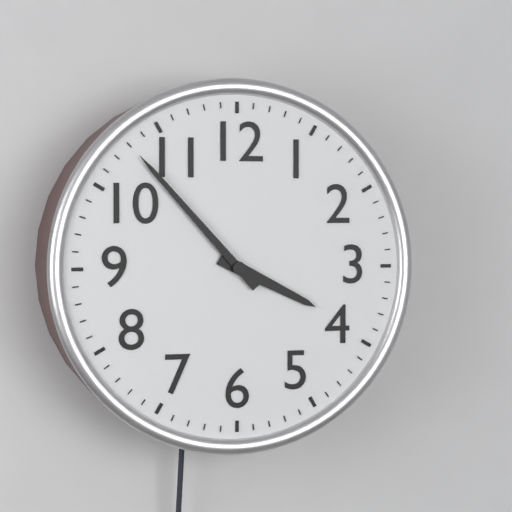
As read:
h=3 m=53
